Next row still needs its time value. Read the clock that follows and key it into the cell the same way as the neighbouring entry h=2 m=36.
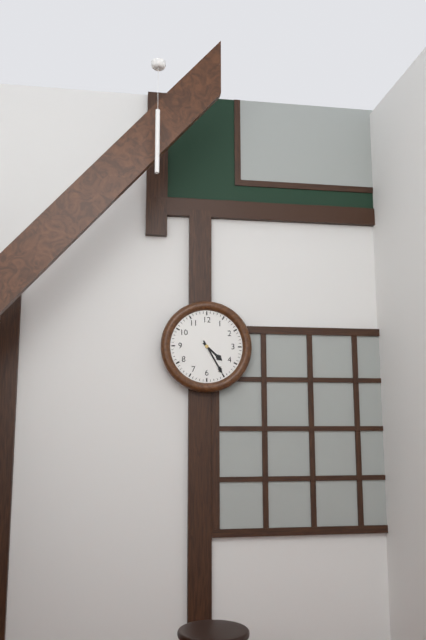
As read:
h=4 m=25
